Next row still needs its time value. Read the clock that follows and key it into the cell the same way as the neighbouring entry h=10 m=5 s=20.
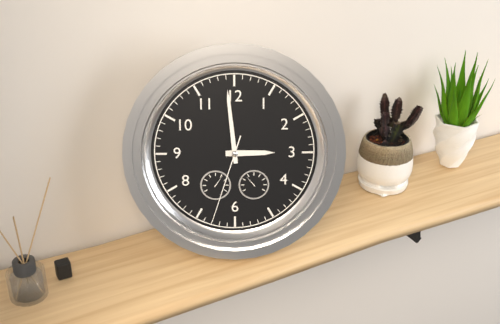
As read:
h=2 m=59 s=33
